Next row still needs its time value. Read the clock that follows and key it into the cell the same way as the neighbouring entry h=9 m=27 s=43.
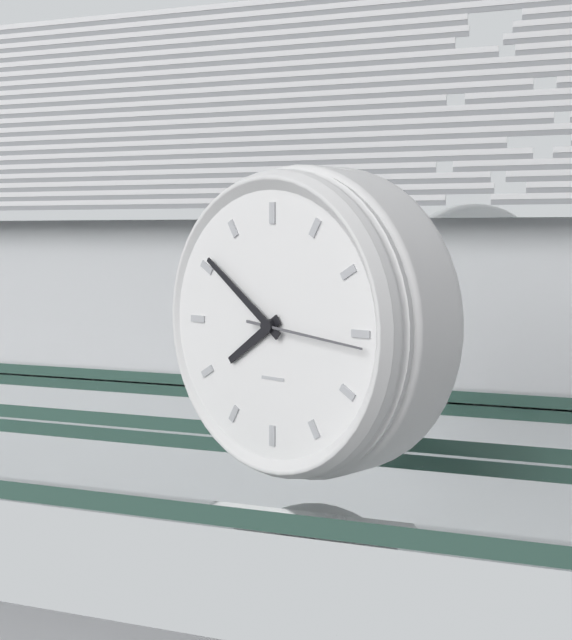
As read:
h=7 m=51 s=16
